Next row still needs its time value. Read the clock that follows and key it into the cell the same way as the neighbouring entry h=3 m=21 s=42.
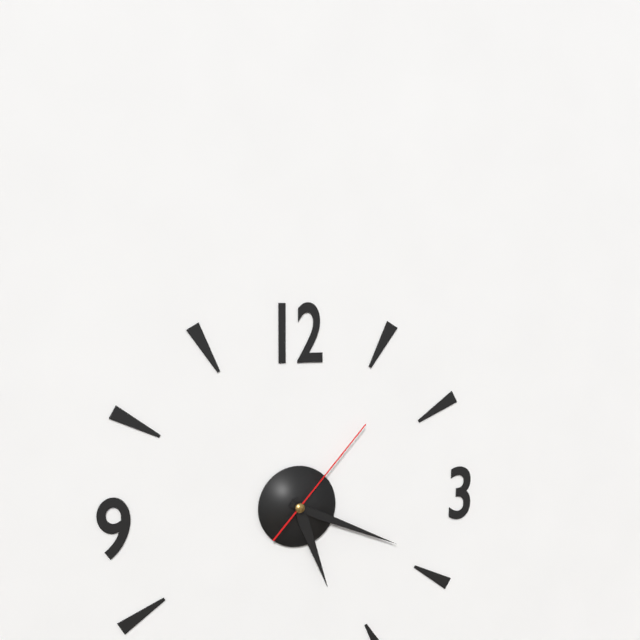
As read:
h=5 m=19 s=7
